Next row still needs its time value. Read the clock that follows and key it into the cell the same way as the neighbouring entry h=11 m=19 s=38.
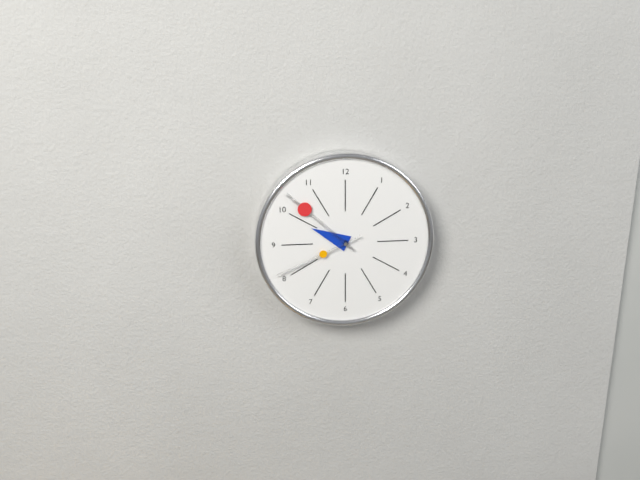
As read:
h=9 m=52 s=41
